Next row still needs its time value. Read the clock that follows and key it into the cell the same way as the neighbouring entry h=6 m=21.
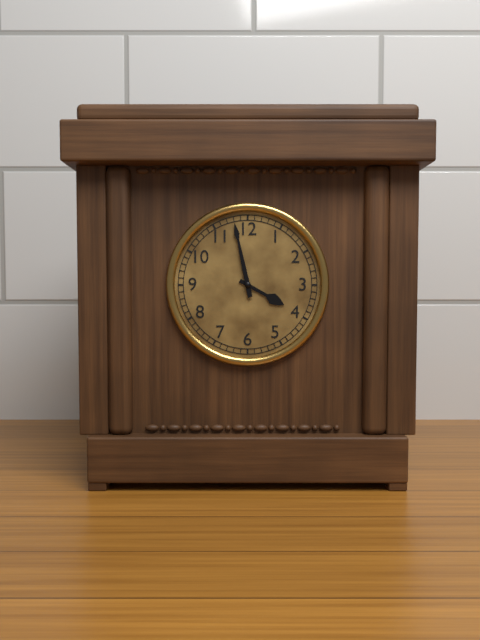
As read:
h=3 m=58
